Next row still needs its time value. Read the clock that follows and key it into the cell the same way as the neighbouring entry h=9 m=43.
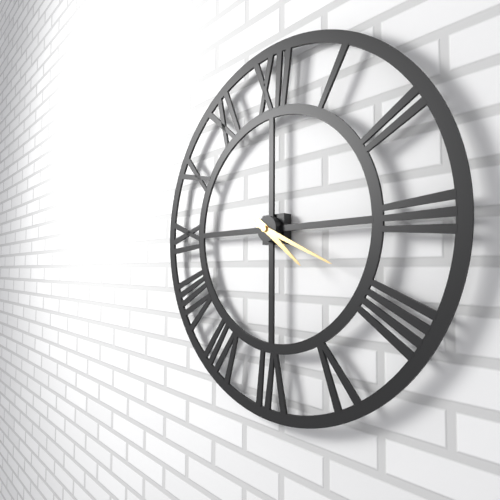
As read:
h=4 m=19
